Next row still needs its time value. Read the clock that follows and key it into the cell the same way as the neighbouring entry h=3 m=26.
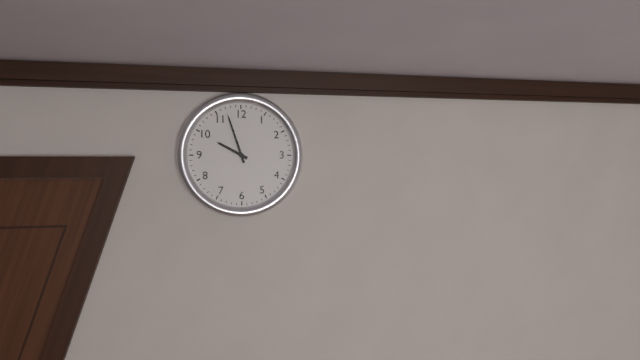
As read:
h=9 m=57
